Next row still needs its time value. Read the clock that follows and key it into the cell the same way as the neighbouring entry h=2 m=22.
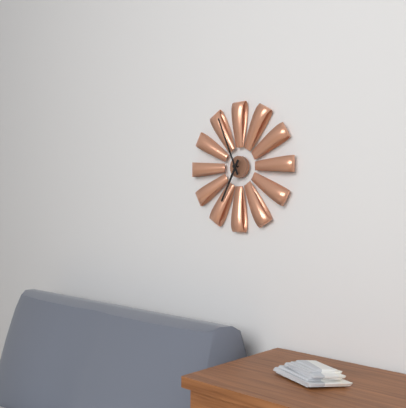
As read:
h=6 m=56
